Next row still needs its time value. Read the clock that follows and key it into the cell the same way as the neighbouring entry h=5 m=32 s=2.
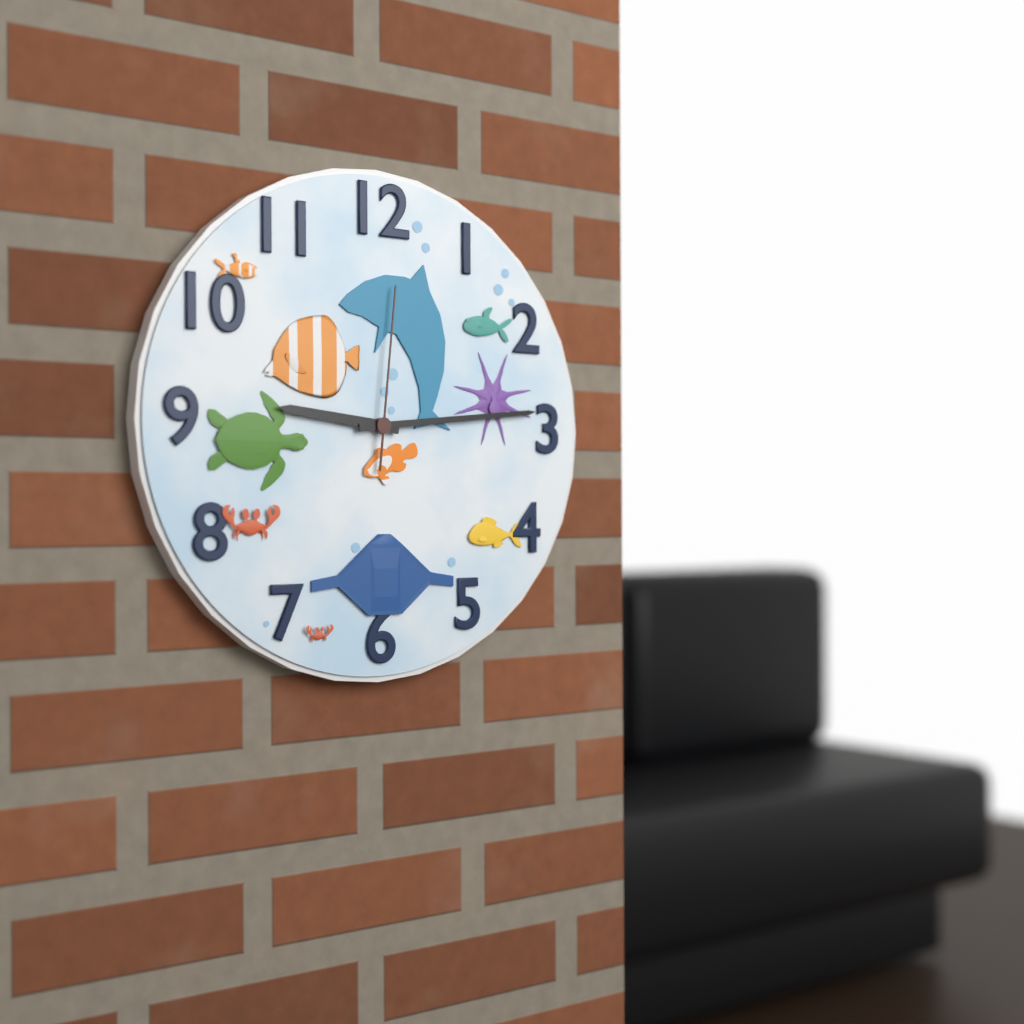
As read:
h=9 m=14 s=1
